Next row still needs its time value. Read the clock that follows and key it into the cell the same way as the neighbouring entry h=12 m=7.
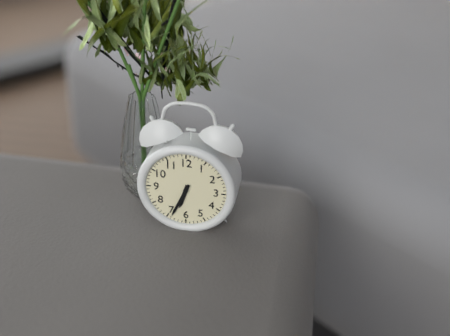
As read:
h=6 m=34
